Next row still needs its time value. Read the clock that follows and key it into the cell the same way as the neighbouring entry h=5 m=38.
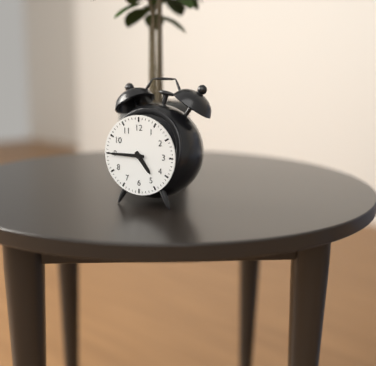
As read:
h=4 m=45
